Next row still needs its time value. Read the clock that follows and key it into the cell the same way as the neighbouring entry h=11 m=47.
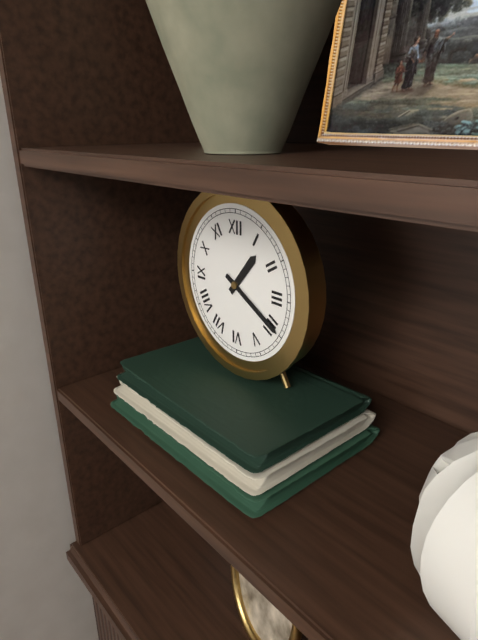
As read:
h=1 m=20
